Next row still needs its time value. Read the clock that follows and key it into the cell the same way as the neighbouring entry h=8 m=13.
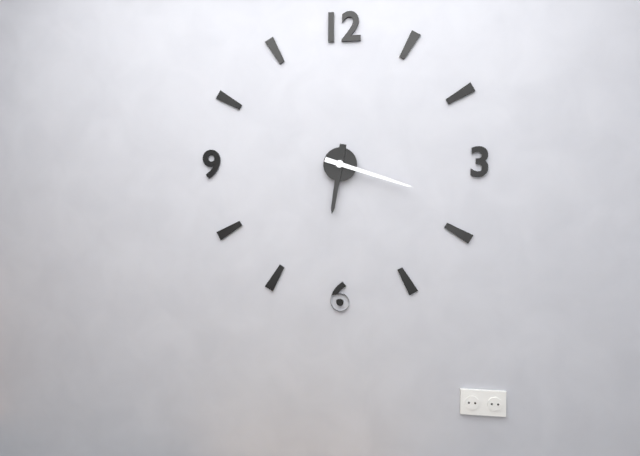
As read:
h=6 m=18
